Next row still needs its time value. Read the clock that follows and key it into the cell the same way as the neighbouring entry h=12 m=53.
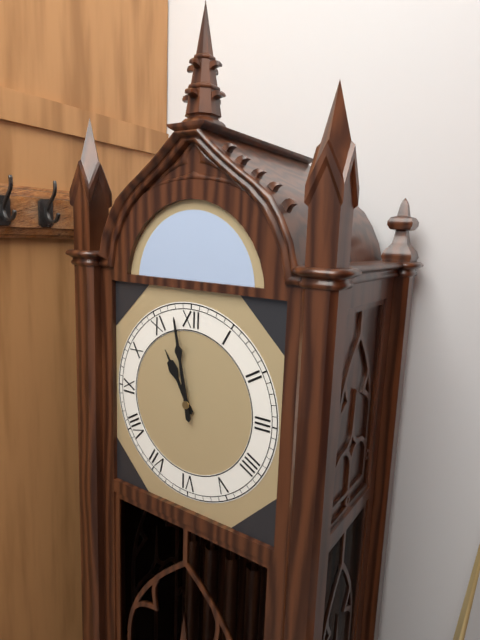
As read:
h=10 m=58
